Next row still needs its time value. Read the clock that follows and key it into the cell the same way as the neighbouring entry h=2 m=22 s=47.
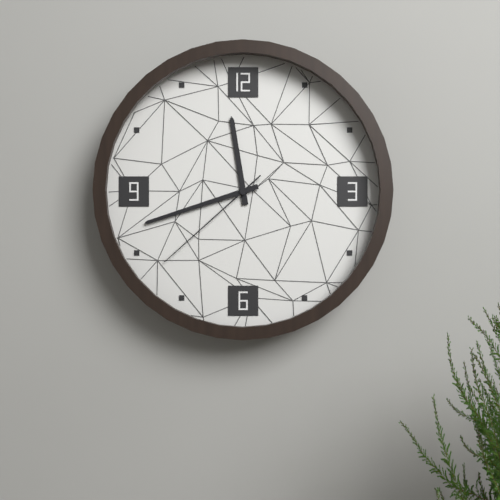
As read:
h=11 m=42 s=38
